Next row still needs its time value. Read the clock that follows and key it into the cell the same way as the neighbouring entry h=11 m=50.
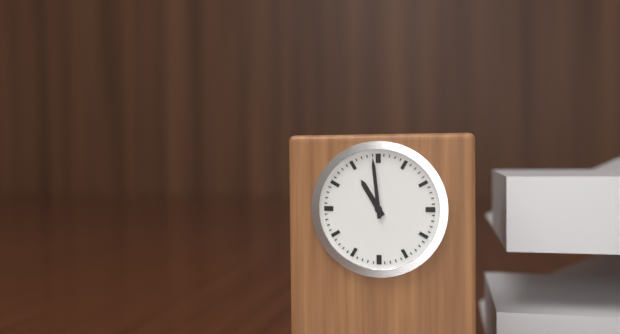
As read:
h=10 m=59
